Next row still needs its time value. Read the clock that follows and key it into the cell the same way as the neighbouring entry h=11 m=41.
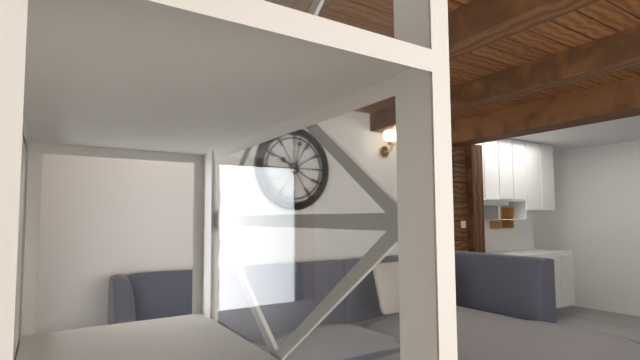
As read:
h=10 m=2
